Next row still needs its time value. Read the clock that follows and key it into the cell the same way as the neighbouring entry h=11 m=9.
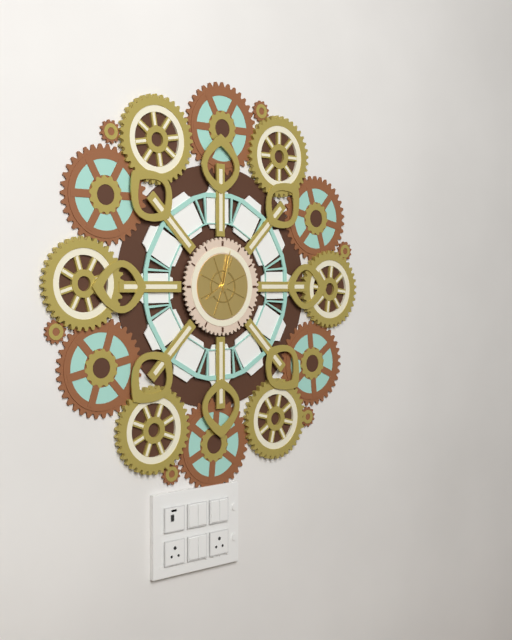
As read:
h=8 m=2
